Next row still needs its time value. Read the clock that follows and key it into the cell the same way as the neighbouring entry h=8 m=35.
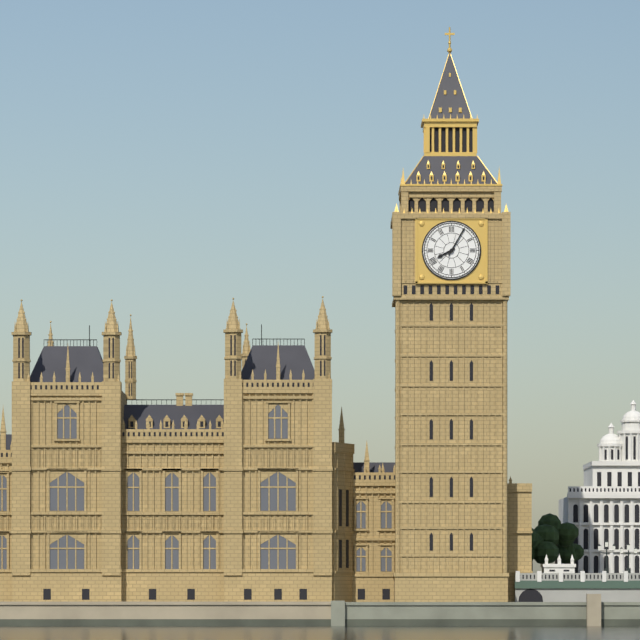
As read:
h=8 m=5
